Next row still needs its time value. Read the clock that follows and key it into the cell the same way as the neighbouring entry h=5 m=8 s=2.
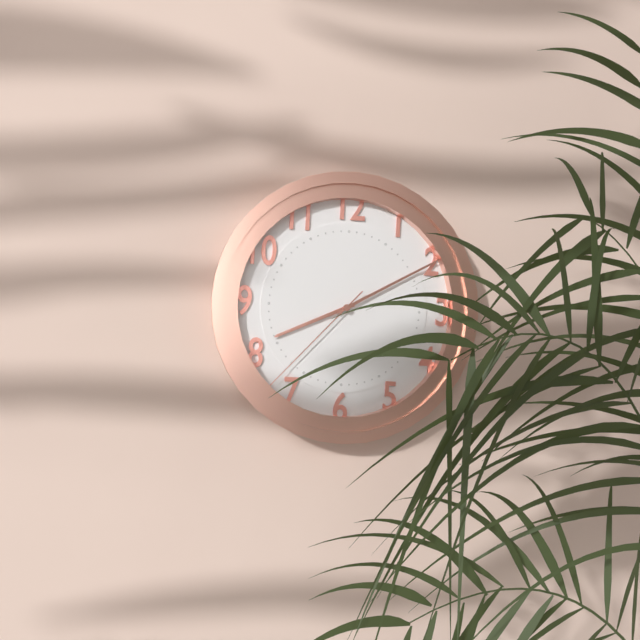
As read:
h=8 m=10 s=37
